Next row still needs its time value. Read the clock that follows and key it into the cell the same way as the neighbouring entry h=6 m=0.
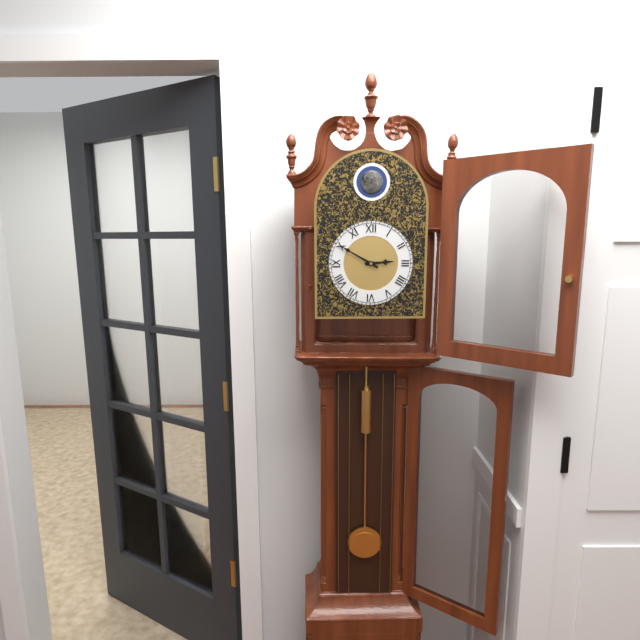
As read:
h=2 m=50
